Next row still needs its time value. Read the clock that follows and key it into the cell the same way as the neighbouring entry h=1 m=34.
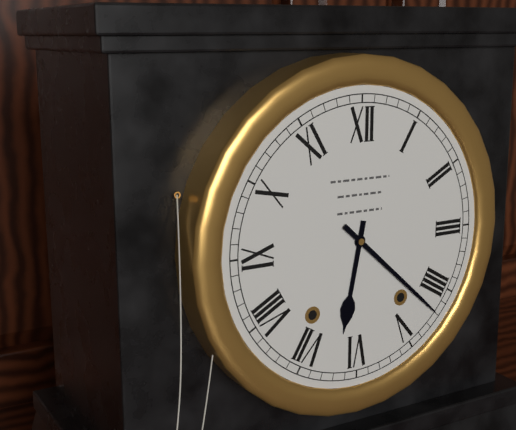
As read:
h=6 m=22
